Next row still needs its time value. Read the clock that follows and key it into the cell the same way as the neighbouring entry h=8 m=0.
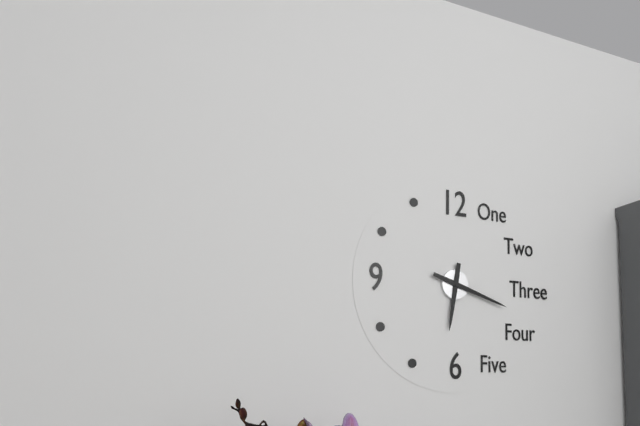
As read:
h=6 m=18
